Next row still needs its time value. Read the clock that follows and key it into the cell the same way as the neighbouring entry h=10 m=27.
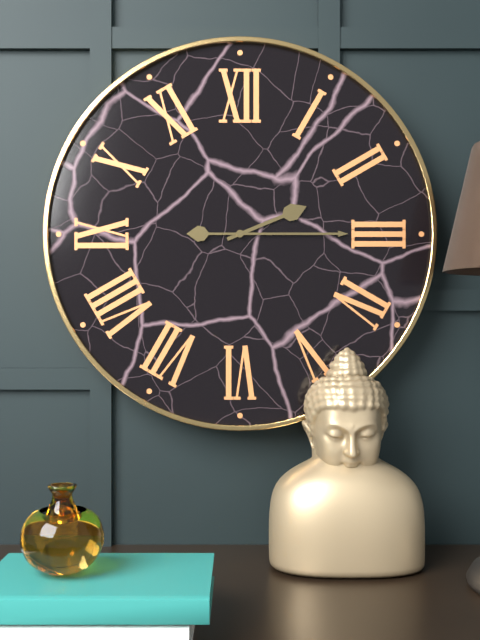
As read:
h=2 m=15
